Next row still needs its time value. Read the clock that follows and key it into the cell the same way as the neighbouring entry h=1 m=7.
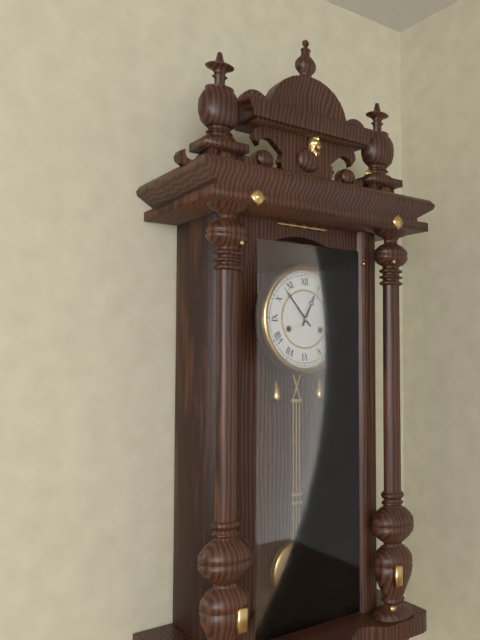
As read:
h=12 m=53
